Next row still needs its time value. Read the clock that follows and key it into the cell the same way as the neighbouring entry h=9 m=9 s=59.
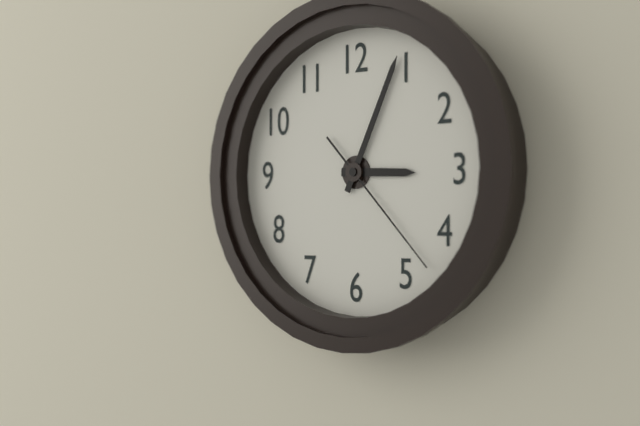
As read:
h=3 m=4 s=23
